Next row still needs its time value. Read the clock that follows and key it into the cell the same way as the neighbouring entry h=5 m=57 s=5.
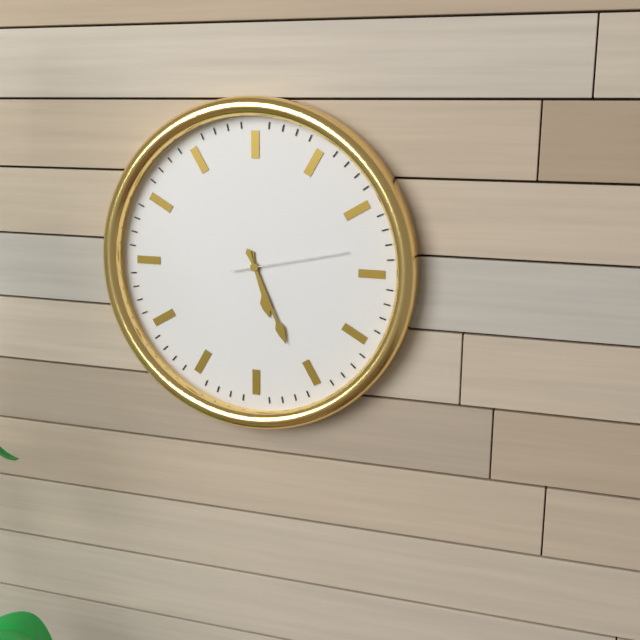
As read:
h=5 m=26 s=13
